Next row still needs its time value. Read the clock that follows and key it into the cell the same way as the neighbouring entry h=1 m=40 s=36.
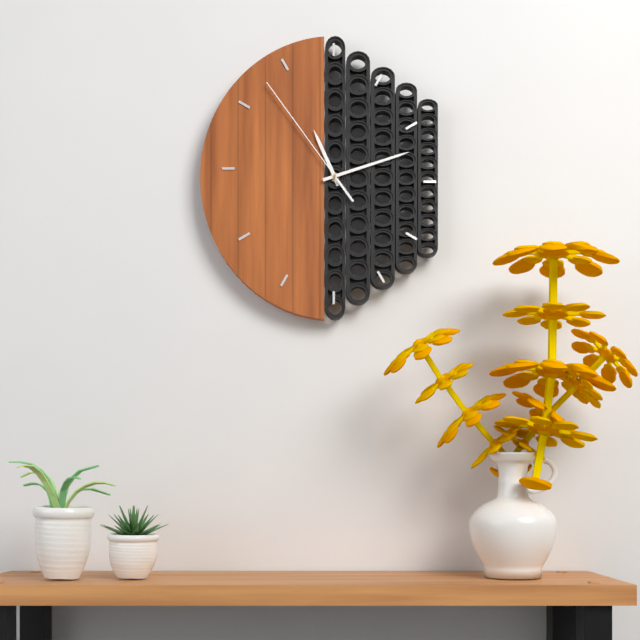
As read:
h=11 m=12 s=54
